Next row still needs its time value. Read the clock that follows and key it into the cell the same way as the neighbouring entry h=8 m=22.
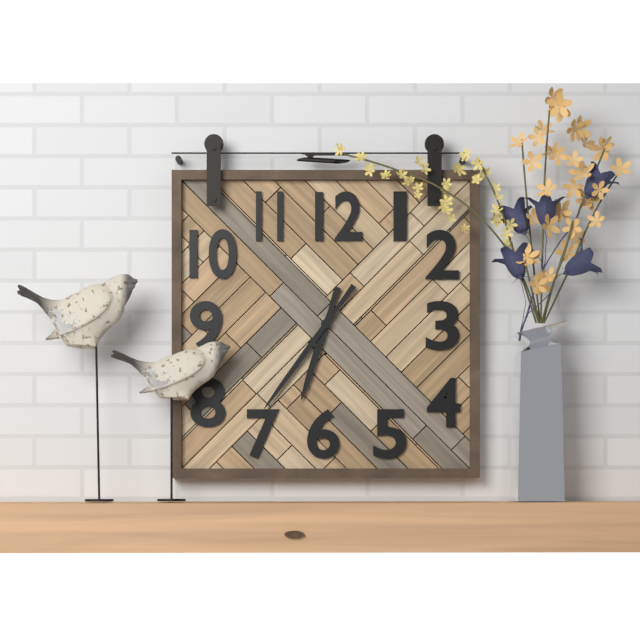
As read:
h=6 m=36
